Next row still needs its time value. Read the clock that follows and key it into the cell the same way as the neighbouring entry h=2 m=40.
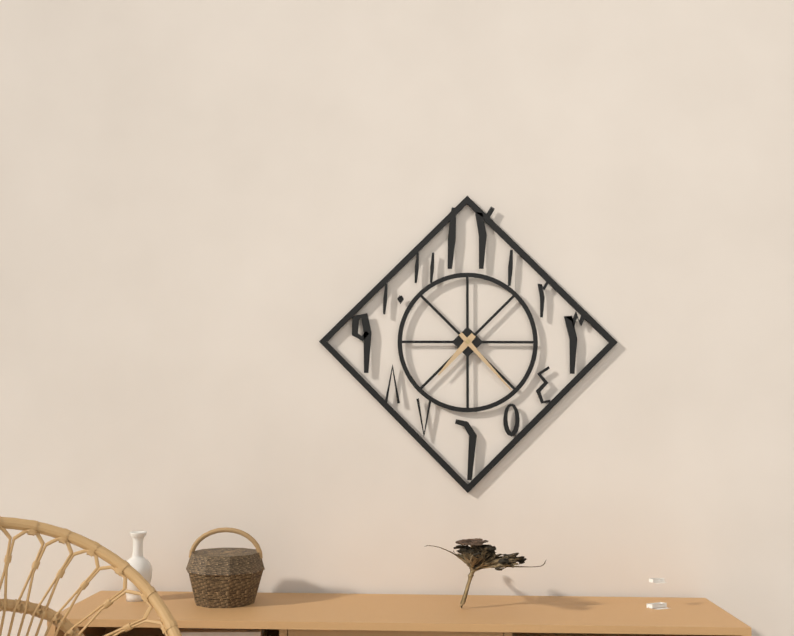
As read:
h=7 m=23
